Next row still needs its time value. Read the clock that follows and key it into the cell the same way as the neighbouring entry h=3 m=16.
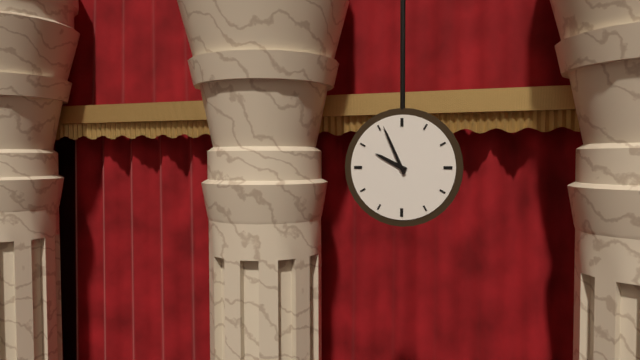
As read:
h=9 m=56
